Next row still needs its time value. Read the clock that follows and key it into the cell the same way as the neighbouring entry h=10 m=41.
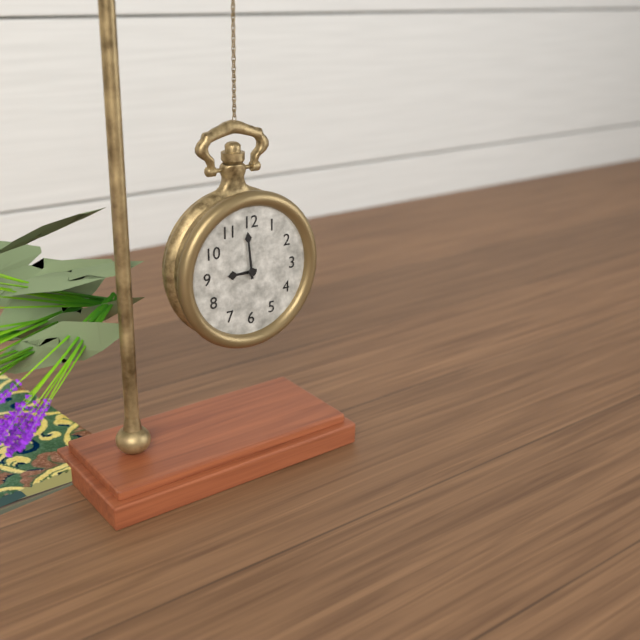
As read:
h=8 m=59
